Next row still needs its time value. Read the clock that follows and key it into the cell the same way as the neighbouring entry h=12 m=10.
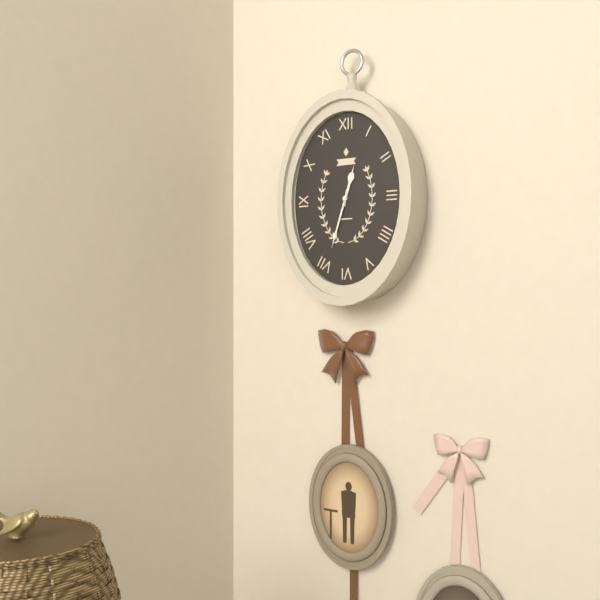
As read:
h=12 m=33
